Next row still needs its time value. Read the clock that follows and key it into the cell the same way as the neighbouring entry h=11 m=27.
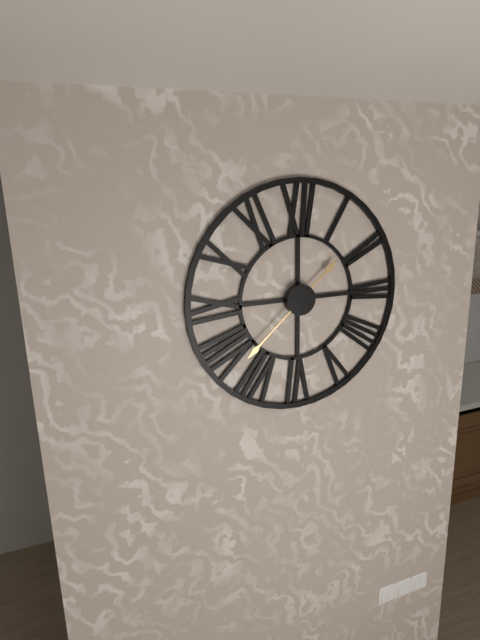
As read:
h=1 m=38
